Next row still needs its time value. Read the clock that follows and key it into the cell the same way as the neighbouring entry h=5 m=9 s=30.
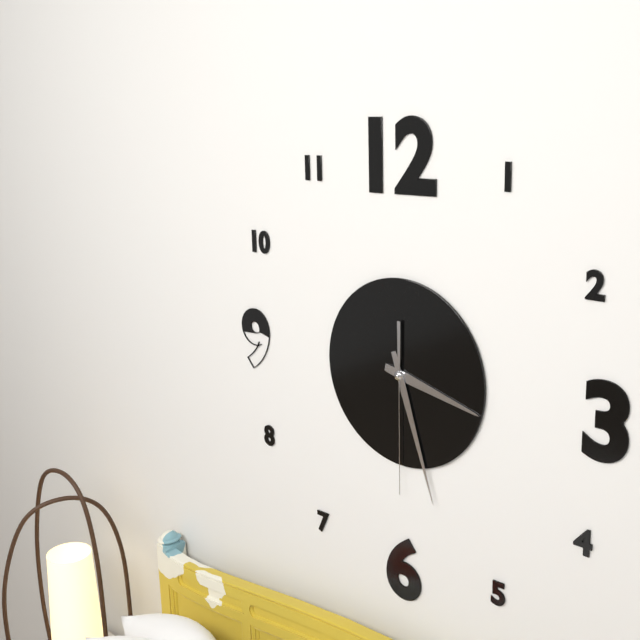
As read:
h=3 m=27 s=30
